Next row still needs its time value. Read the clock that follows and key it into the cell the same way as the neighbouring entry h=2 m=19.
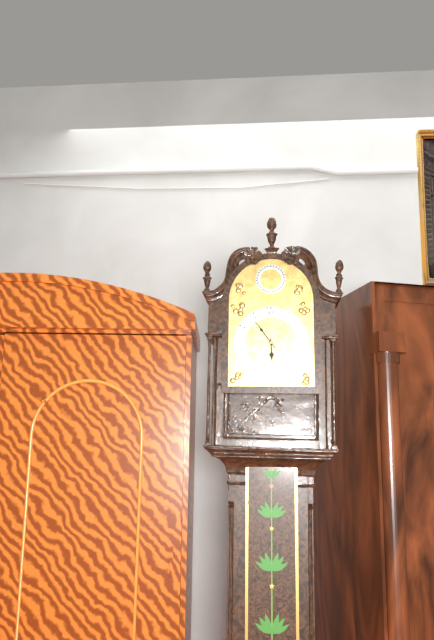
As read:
h=5 m=54
